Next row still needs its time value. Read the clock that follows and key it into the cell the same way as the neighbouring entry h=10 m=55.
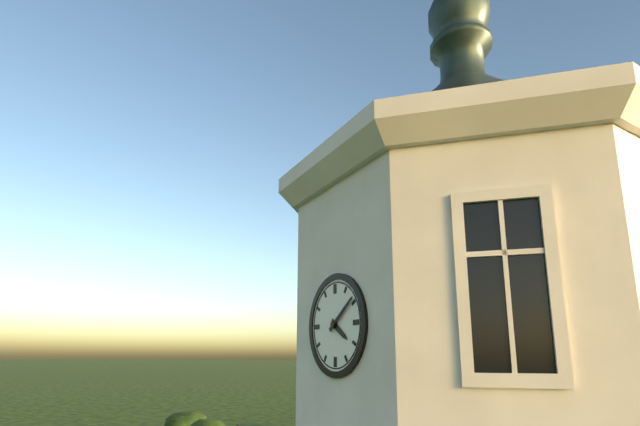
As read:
h=4 m=9
